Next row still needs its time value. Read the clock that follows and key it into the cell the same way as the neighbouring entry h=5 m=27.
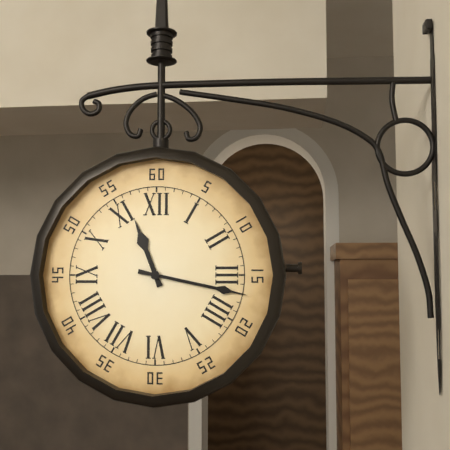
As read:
h=11 m=17
